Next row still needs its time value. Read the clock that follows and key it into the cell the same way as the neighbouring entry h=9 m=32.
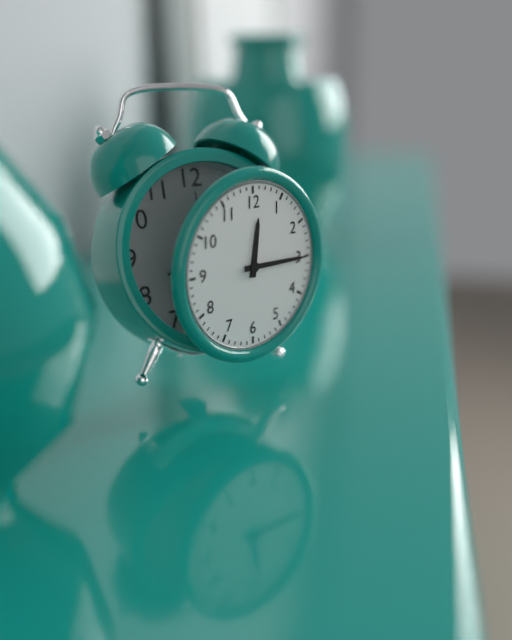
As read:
h=12 m=15
